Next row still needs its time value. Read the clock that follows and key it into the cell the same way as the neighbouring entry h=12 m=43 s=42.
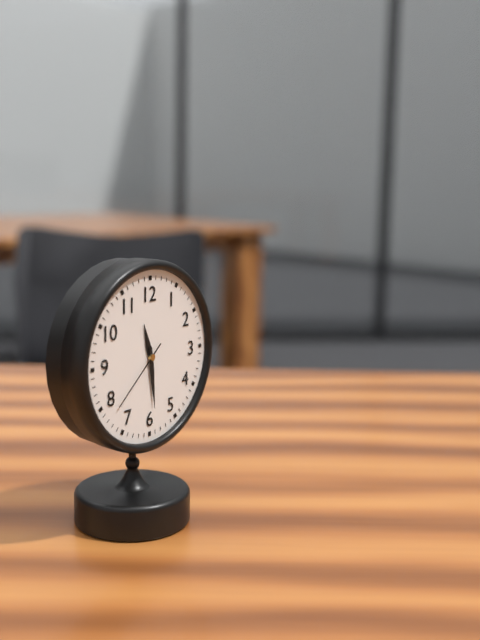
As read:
h=11 m=29 s=38
